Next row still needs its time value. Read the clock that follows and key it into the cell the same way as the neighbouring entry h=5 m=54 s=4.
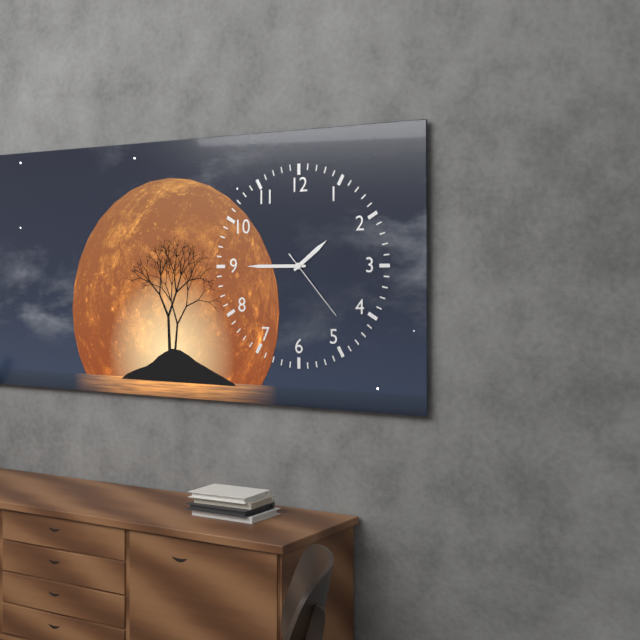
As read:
h=1 m=45 s=23
